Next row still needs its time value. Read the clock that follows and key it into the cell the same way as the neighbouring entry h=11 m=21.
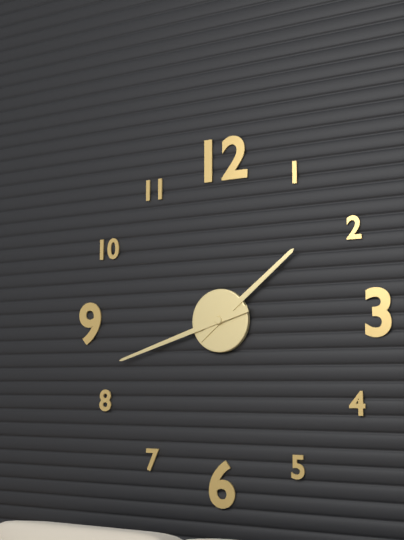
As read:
h=1 m=42
